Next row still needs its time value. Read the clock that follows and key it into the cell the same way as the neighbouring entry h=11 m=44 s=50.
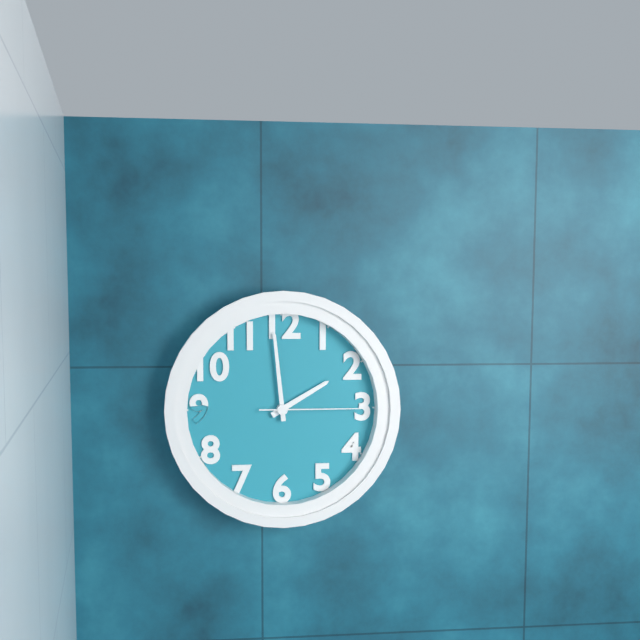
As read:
h=1 m=59 s=15
